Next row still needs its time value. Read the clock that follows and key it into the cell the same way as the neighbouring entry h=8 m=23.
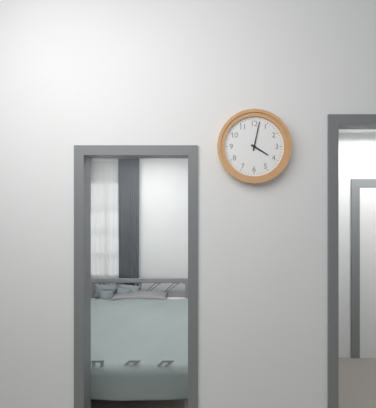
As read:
h=4 m=2
